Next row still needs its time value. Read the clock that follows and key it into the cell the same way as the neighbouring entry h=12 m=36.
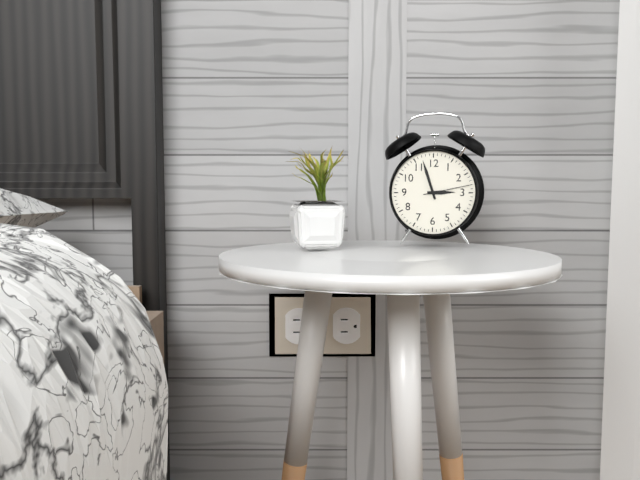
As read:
h=2 m=57
